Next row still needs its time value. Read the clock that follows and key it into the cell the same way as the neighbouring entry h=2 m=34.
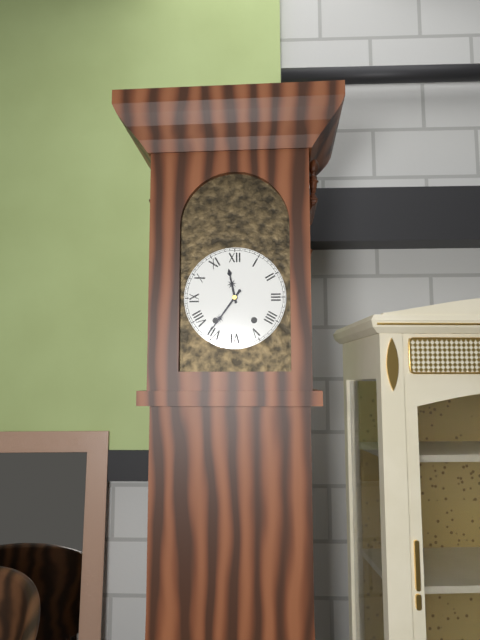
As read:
h=11 m=36
